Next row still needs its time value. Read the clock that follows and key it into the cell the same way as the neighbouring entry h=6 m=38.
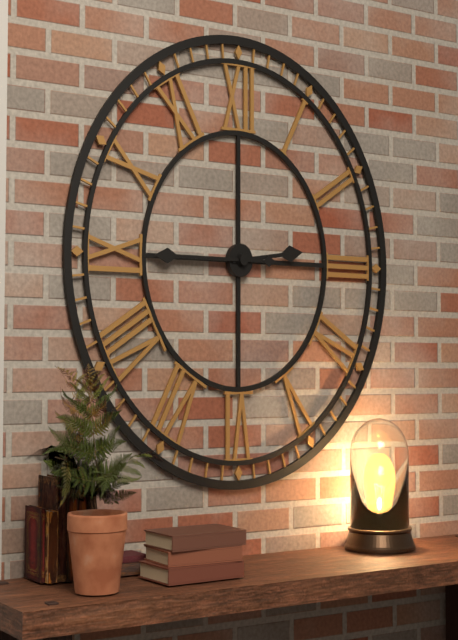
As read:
h=2 m=45
